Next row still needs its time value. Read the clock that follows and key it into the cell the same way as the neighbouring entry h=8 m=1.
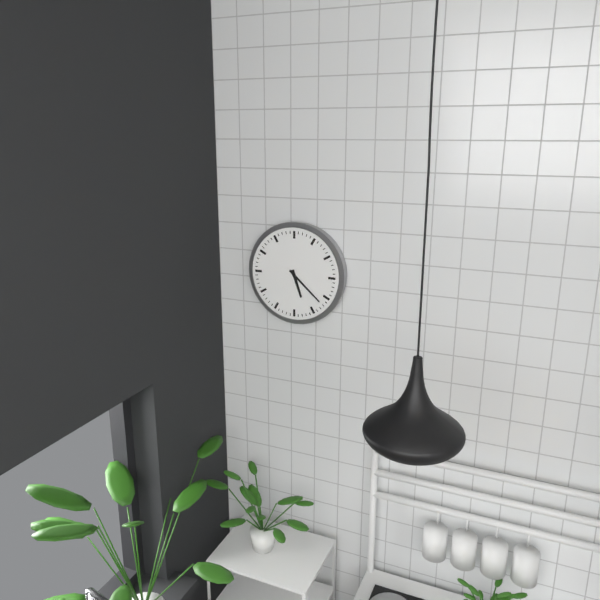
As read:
h=5 m=22
